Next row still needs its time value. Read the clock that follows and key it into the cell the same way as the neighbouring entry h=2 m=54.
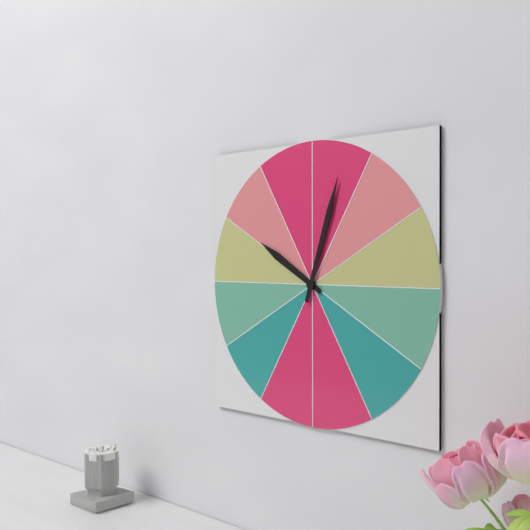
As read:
h=10 m=3
